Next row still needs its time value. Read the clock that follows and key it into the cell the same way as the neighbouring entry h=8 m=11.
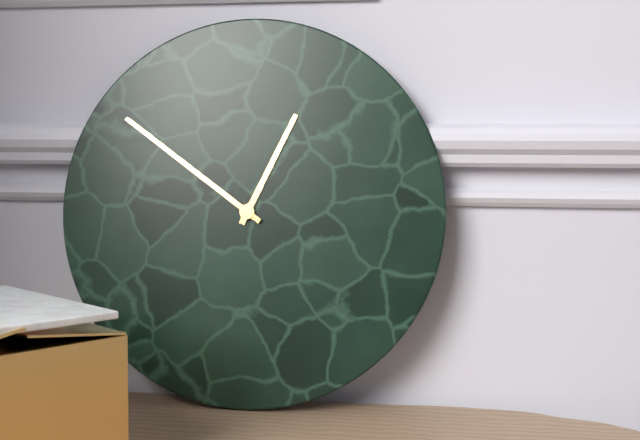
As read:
h=12 m=51
